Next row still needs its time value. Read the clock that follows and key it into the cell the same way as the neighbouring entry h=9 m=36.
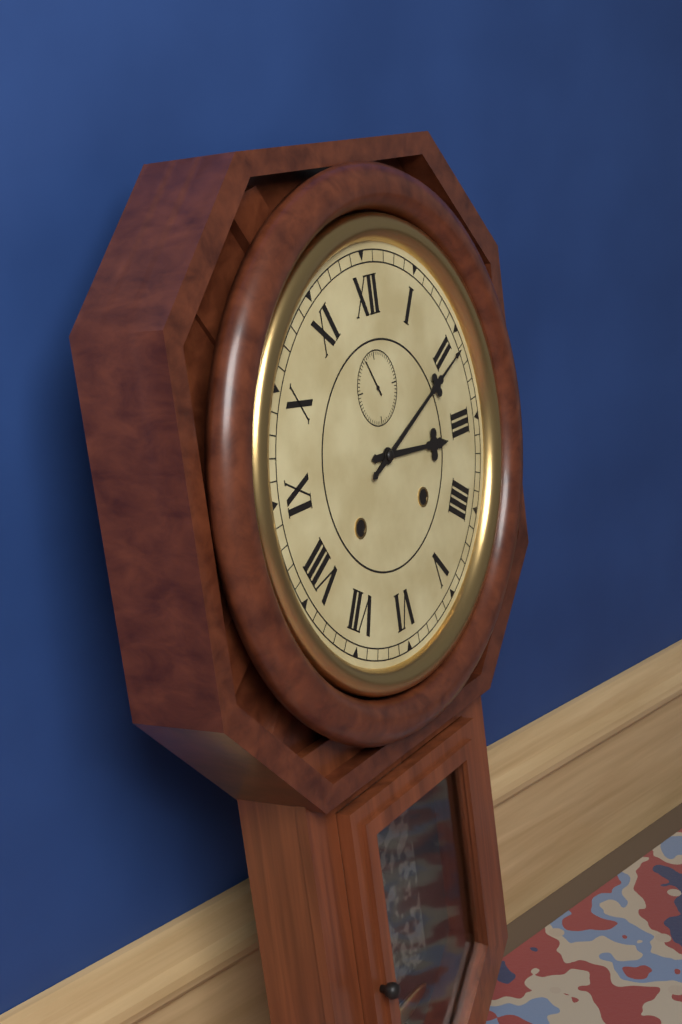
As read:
h=3 m=11
